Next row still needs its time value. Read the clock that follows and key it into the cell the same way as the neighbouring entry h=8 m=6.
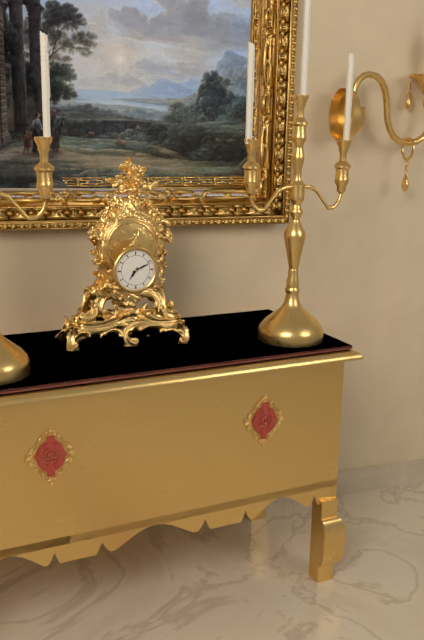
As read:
h=7 m=11
